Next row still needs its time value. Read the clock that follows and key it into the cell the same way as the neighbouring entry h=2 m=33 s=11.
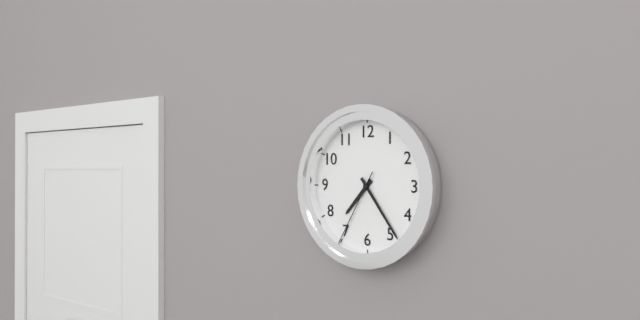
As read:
h=7 m=24 s=35
